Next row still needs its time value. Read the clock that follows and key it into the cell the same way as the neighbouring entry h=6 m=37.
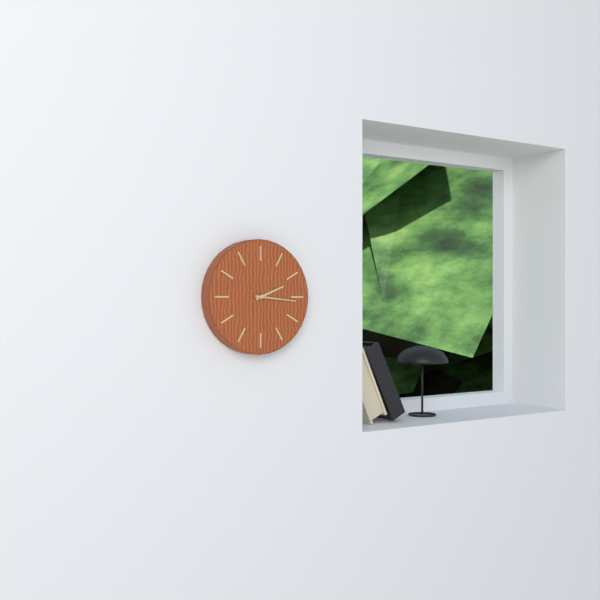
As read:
h=2 m=16
